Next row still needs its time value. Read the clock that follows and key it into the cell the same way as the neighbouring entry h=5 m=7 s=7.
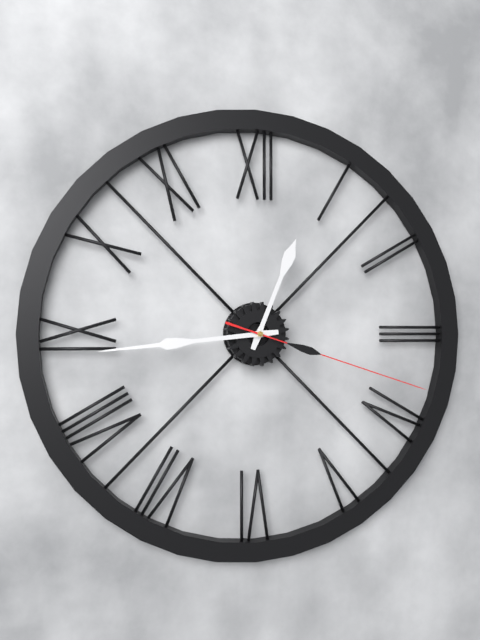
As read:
h=12 m=44 s=18
